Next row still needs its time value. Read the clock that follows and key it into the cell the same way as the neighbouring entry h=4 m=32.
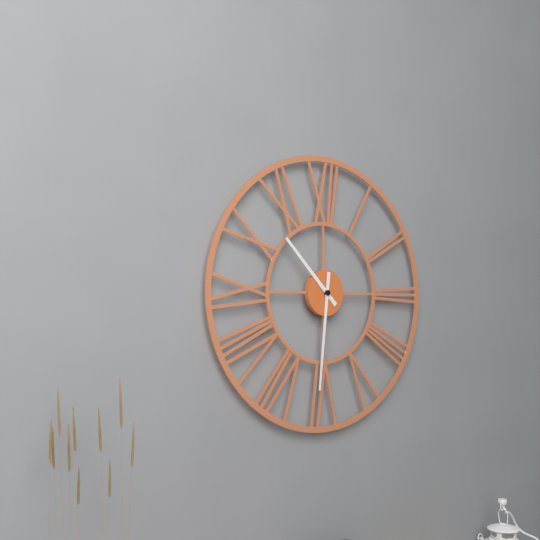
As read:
h=10 m=31
